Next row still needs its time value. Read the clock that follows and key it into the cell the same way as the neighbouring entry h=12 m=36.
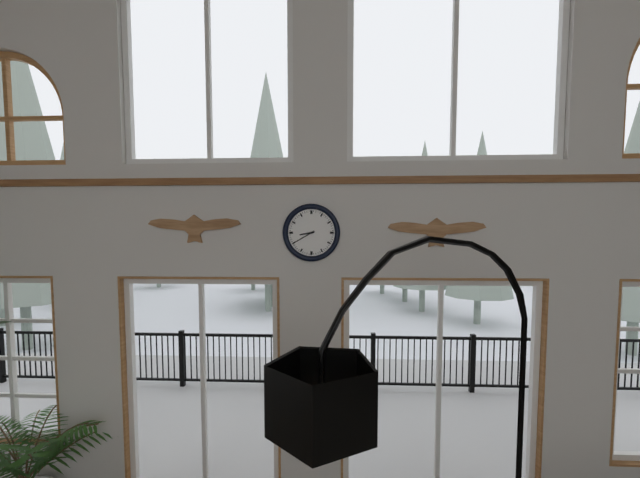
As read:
h=8 m=40
